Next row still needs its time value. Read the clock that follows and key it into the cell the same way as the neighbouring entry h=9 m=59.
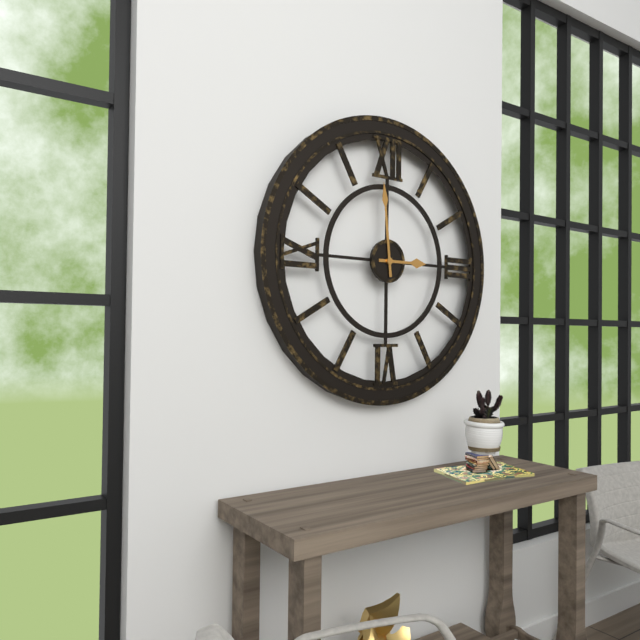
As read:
h=2 m=59
